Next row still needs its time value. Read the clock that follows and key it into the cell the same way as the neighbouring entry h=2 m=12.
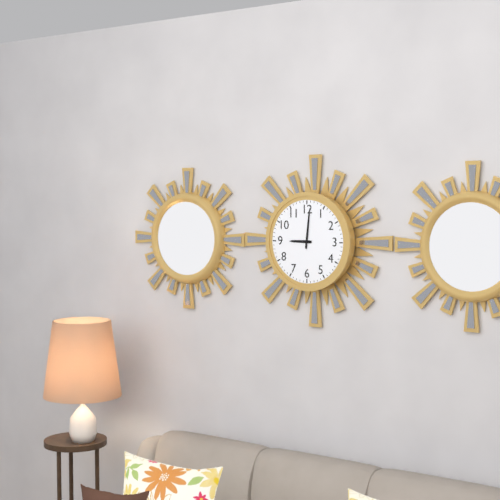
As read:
h=9 m=1
